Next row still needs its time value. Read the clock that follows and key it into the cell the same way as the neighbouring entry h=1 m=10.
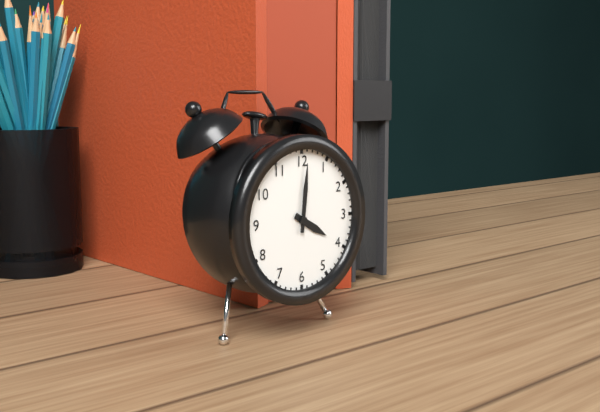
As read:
h=4 m=1
